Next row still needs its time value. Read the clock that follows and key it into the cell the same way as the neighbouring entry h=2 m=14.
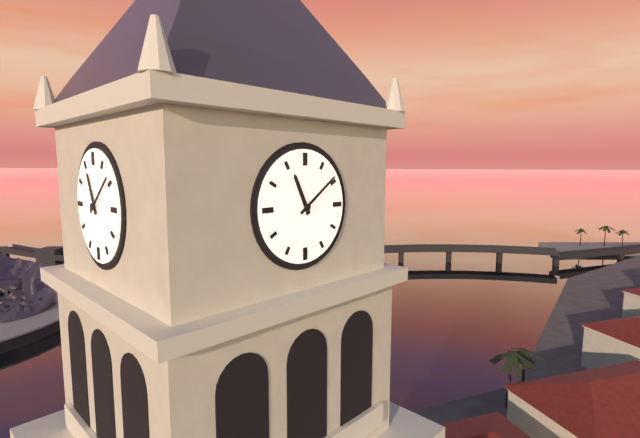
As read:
h=11 m=9
